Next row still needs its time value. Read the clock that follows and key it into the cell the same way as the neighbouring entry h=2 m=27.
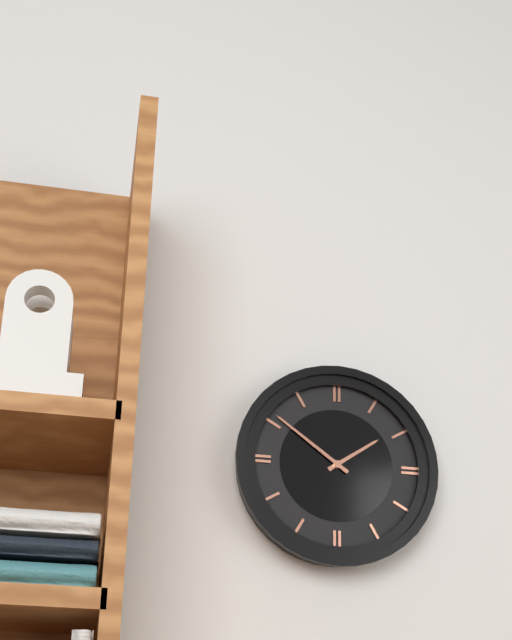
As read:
h=1 m=51
